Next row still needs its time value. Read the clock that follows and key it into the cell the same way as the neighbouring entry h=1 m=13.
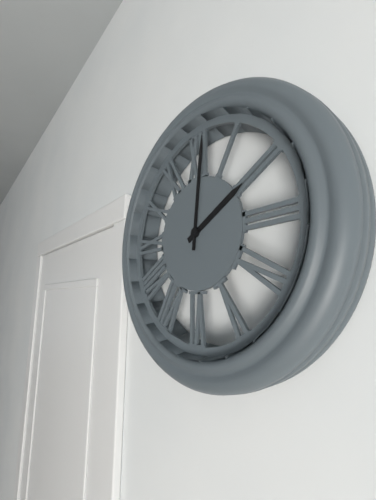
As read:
h=2 m=1
